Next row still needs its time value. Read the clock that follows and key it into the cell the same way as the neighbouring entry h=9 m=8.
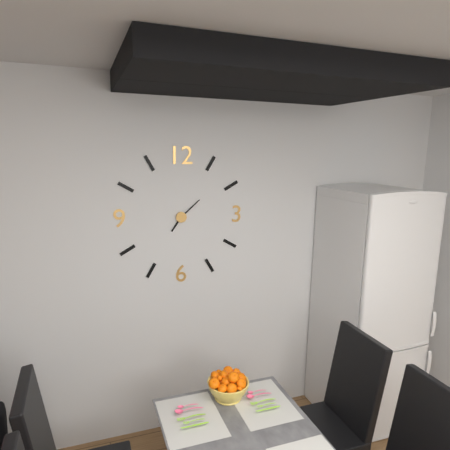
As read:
h=7 m=8
